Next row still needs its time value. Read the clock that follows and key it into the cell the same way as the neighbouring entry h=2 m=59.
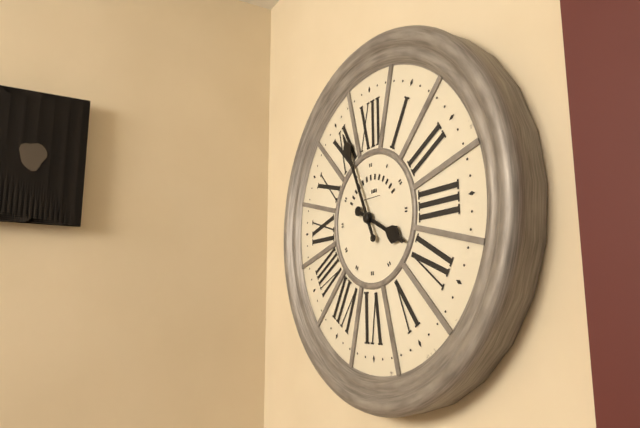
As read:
h=3 m=56
